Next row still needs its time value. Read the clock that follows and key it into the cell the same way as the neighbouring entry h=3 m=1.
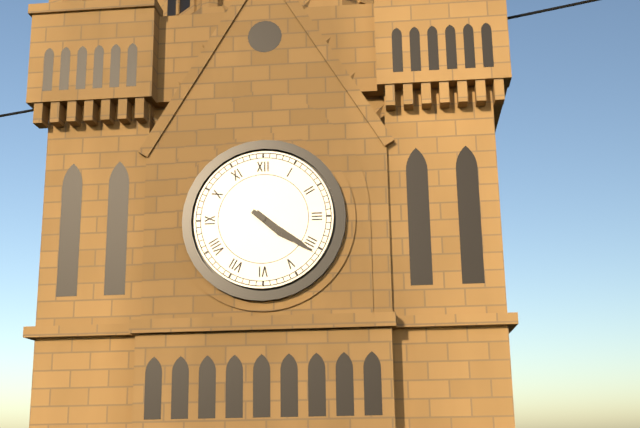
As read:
h=4 m=21
